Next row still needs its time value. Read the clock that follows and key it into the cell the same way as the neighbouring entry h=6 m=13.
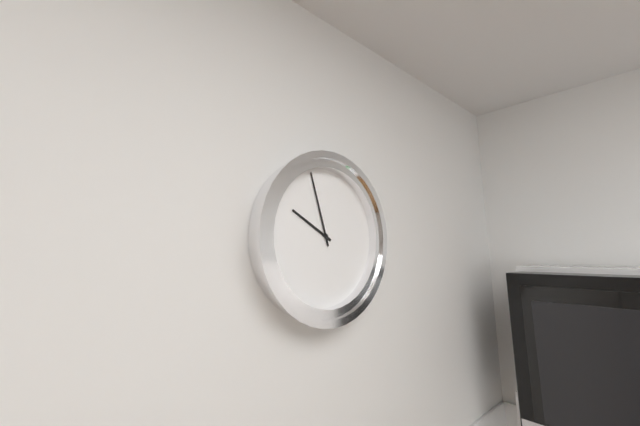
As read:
h=9 m=57
